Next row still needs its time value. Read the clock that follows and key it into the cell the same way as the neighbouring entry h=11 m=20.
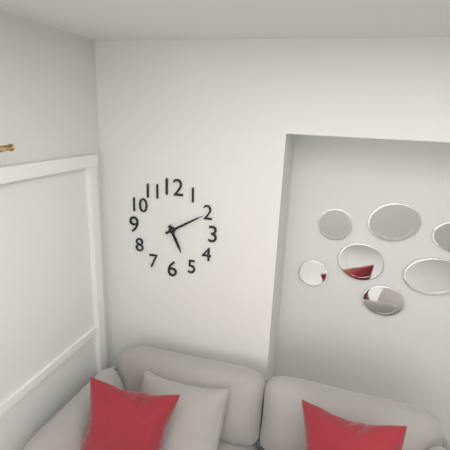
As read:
h=5 m=10
